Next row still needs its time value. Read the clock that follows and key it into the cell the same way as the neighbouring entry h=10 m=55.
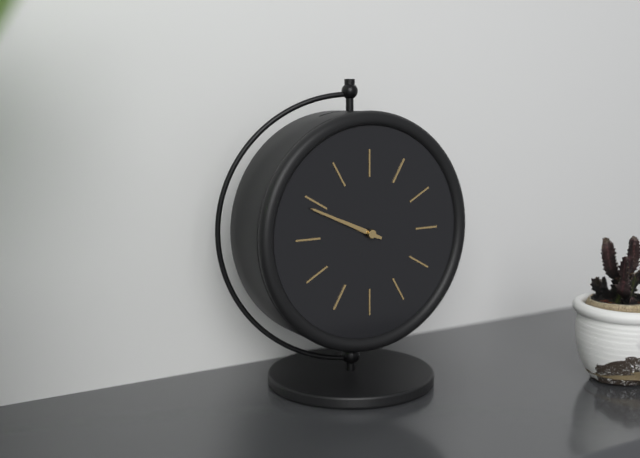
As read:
h=9 m=49
